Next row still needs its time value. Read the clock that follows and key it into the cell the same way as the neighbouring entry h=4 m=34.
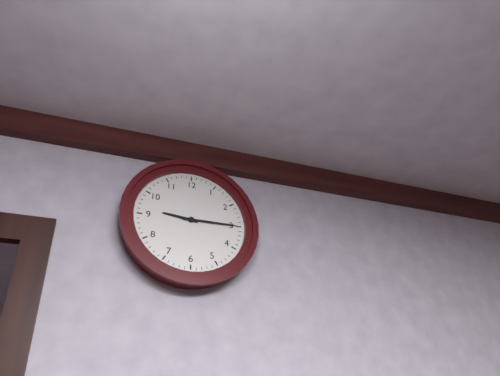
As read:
h=9 m=15
